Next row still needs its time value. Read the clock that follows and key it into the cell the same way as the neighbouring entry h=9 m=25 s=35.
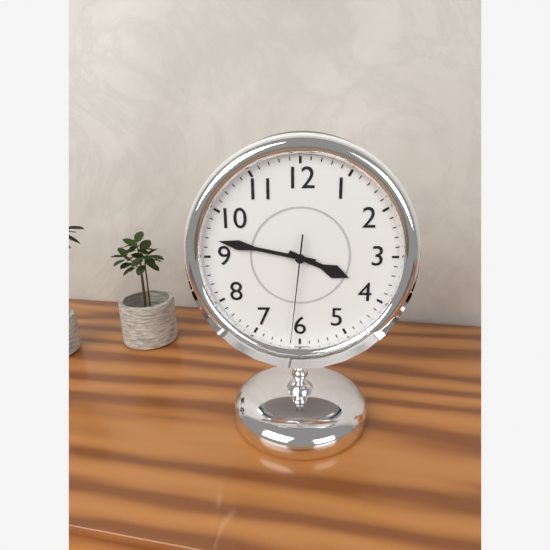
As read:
h=3 m=47 s=31
